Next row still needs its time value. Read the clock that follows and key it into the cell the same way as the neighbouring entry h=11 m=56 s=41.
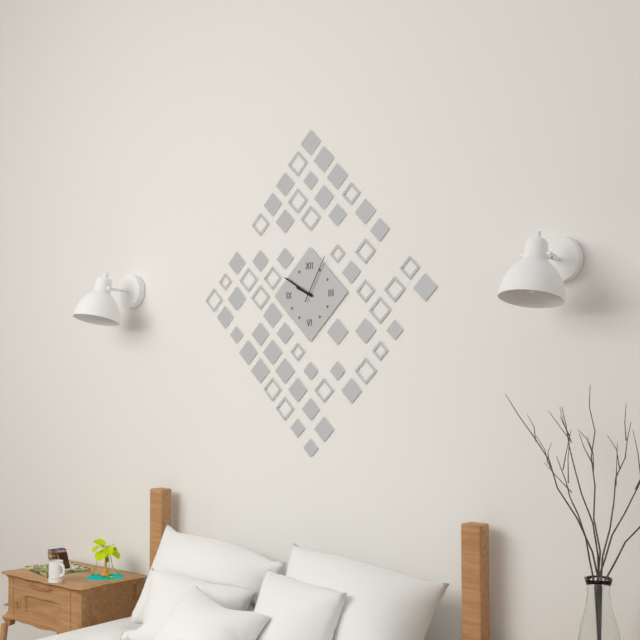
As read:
h=9 m=50 s=5
